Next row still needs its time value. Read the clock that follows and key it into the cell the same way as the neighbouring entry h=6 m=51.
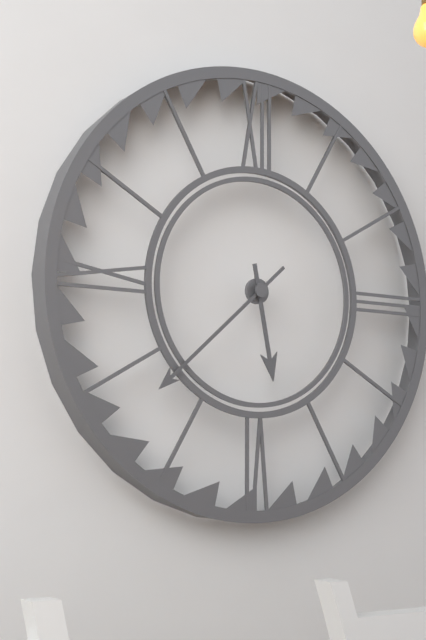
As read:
h=5 m=38
